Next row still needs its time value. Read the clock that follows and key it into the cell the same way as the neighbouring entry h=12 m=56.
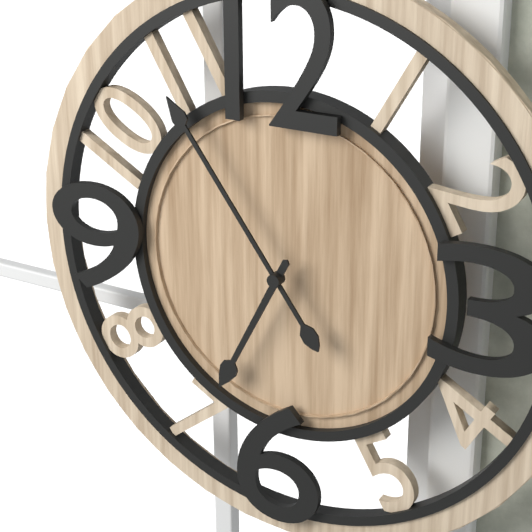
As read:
h=6 m=54
